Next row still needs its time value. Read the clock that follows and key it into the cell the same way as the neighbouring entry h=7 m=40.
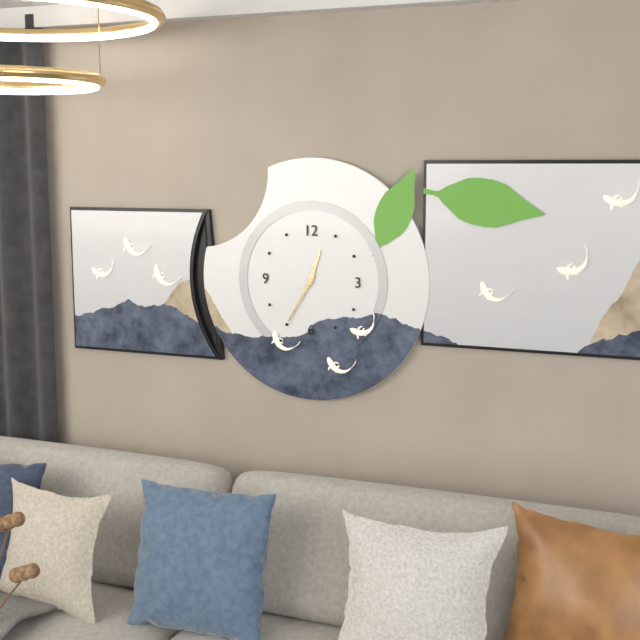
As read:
h=12 m=35
